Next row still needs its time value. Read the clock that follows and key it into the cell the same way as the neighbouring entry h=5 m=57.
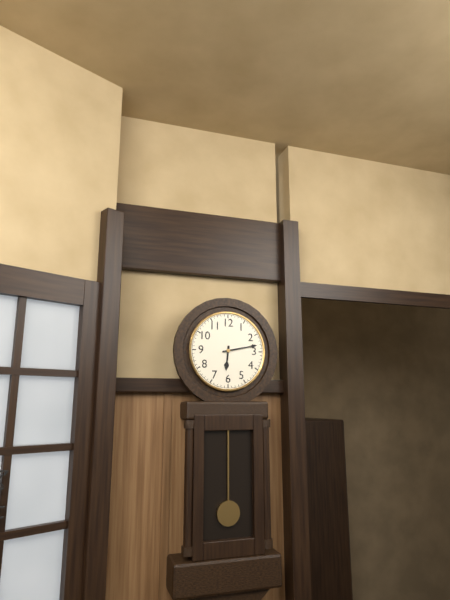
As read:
h=6 m=13
